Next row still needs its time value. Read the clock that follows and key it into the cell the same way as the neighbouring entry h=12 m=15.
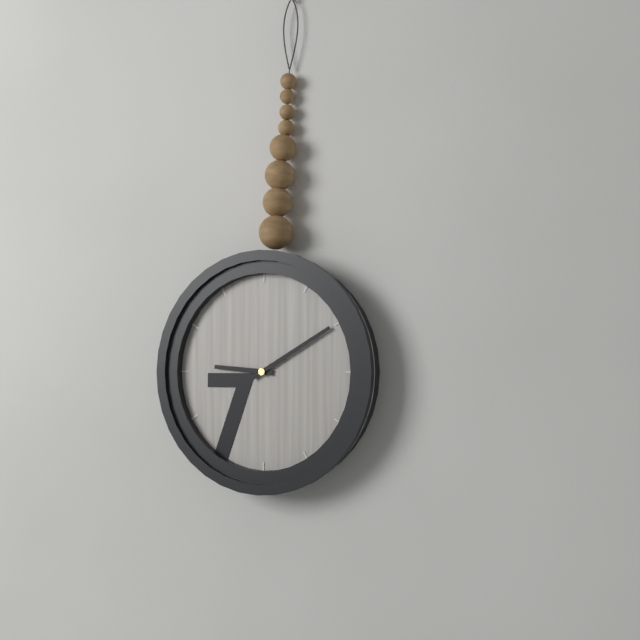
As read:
h=9 m=10
